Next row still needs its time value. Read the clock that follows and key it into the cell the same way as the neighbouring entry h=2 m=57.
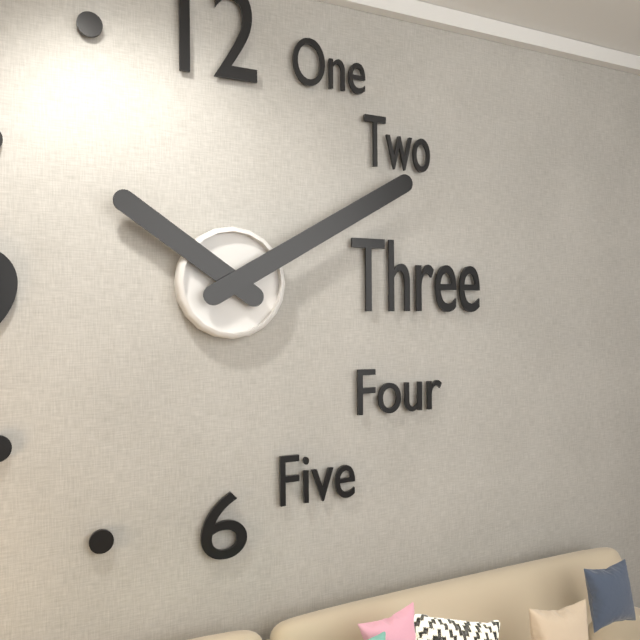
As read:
h=10 m=10
